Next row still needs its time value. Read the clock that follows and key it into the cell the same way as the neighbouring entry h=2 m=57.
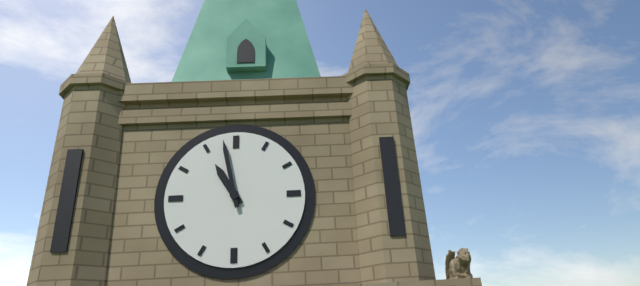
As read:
h=10 m=58
